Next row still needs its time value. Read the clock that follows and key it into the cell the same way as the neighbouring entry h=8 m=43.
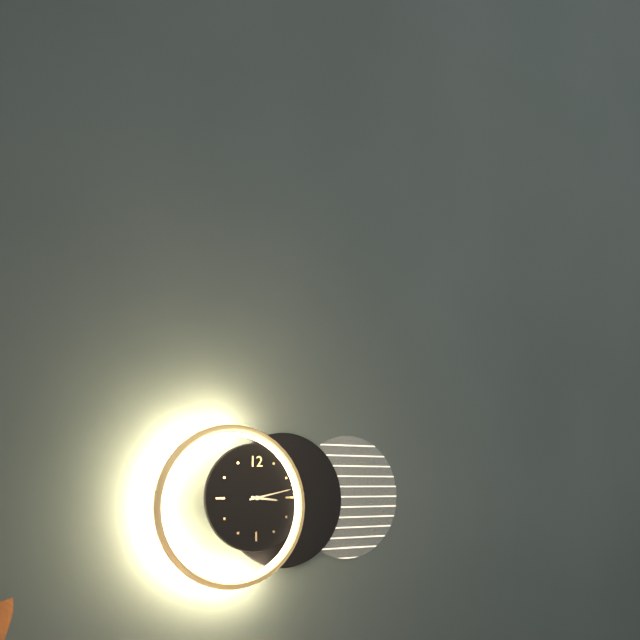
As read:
h=3 m=13
